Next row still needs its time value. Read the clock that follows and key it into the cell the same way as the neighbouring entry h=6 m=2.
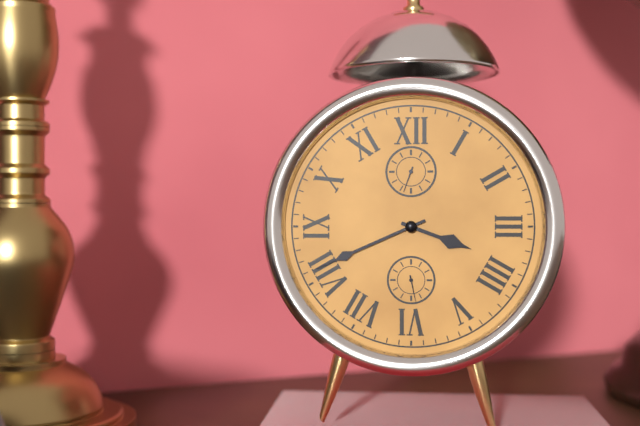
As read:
h=3 m=41
